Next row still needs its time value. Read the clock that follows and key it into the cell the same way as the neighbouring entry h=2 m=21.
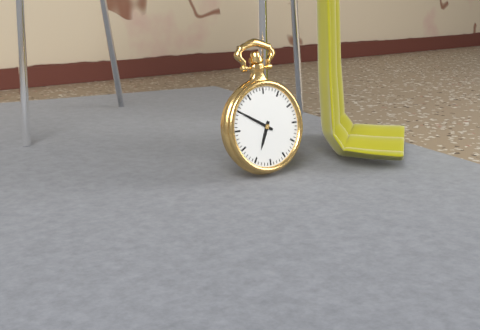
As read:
h=6 m=50
